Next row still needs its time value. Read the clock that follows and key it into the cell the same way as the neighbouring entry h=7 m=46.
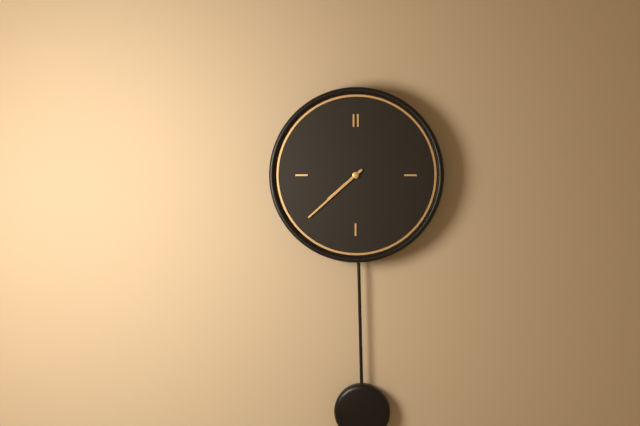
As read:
h=7 m=38
